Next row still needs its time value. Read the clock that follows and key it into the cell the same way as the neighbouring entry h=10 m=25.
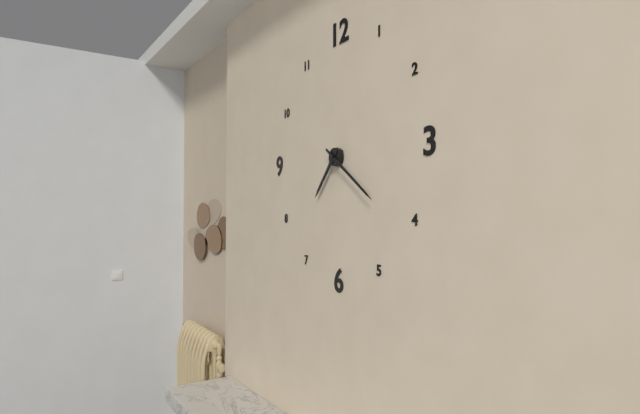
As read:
h=7 m=21
